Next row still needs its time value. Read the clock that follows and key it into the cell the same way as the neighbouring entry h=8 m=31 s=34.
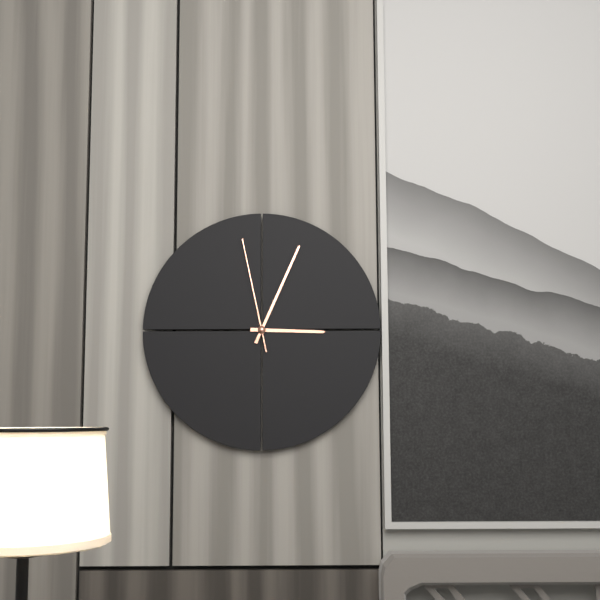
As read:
h=3 m=4 s=58
